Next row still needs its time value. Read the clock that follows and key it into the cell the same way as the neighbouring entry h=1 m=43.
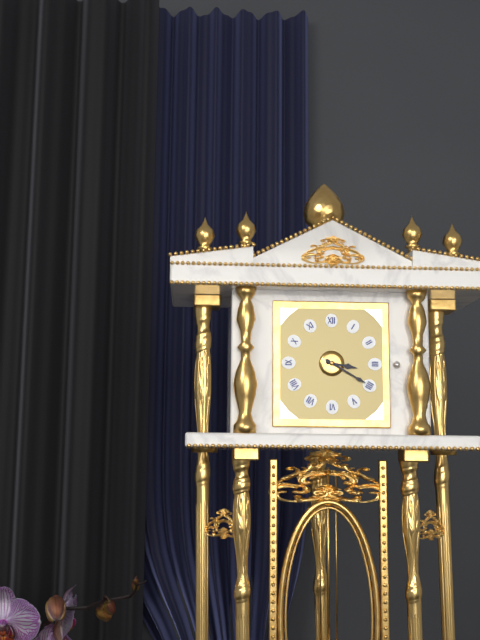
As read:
h=3 m=20
